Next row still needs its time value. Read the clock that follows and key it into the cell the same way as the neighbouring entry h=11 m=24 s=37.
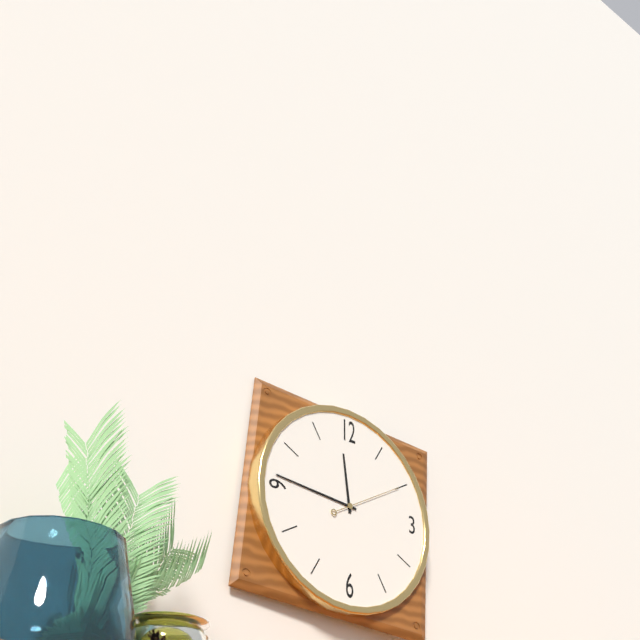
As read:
h=11 m=46 s=10
